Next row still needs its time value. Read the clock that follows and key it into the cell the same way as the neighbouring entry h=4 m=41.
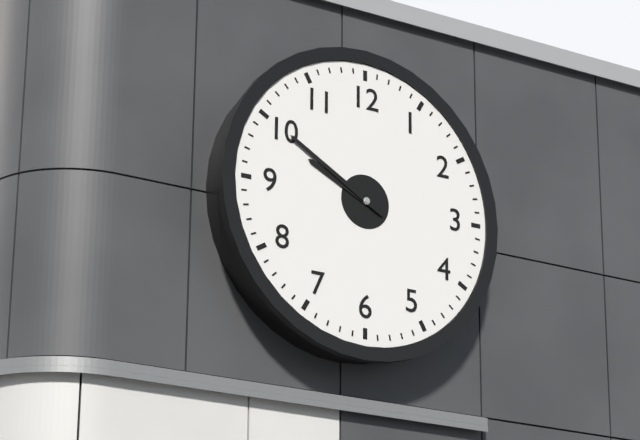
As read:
h=9 m=50
